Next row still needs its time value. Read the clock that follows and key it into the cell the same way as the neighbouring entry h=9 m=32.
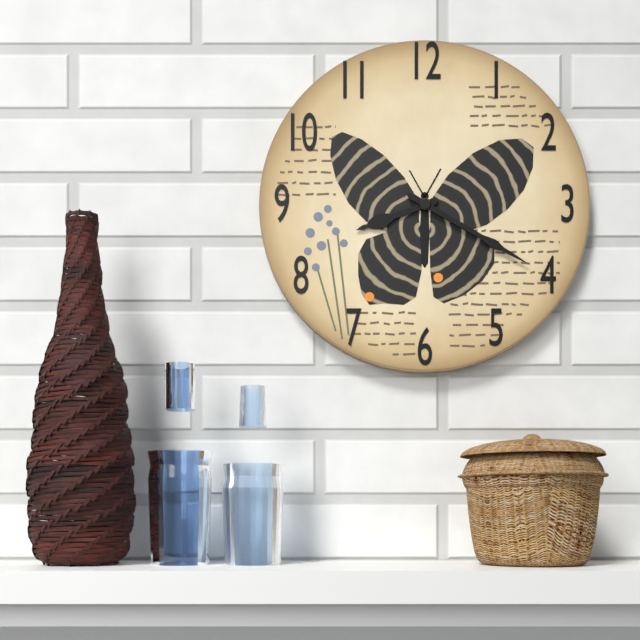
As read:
h=8 m=20
